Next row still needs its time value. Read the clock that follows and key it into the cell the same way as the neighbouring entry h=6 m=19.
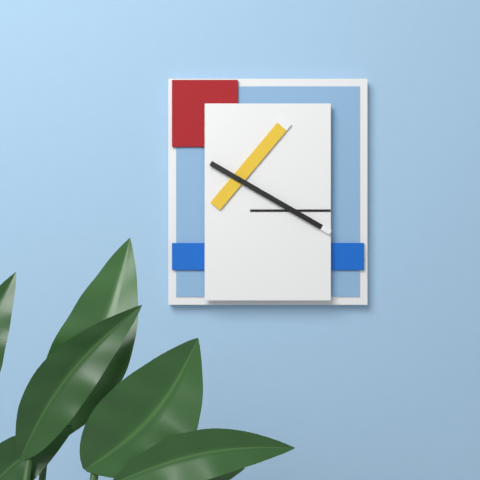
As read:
h=1 m=20
